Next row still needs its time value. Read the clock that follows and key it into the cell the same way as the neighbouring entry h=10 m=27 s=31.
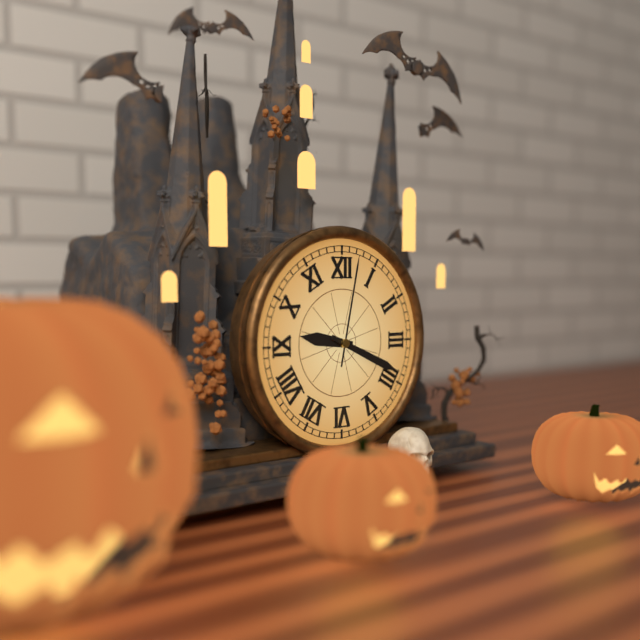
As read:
h=9 m=19 s=2
